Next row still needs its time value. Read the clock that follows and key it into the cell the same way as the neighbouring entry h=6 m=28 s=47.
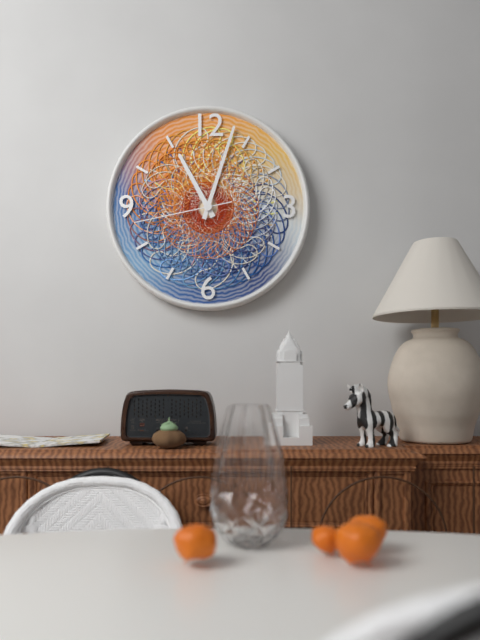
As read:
h=11 m=3 s=43
